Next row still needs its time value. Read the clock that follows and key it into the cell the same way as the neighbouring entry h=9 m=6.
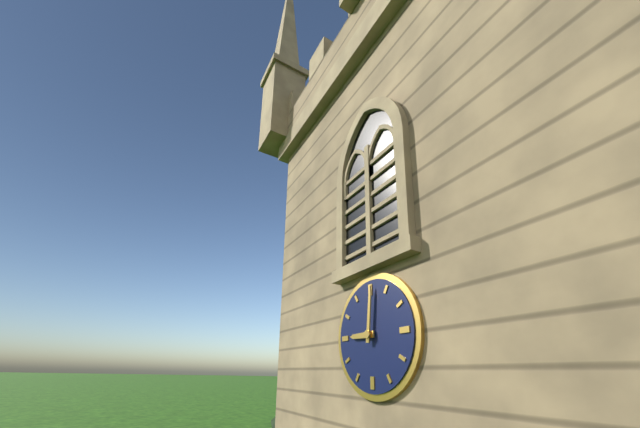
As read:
h=9 m=1
